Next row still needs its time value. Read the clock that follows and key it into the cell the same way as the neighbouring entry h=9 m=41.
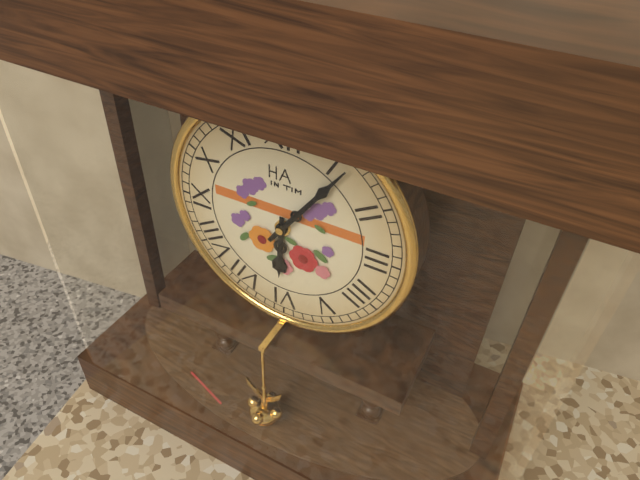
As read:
h=6 m=6
